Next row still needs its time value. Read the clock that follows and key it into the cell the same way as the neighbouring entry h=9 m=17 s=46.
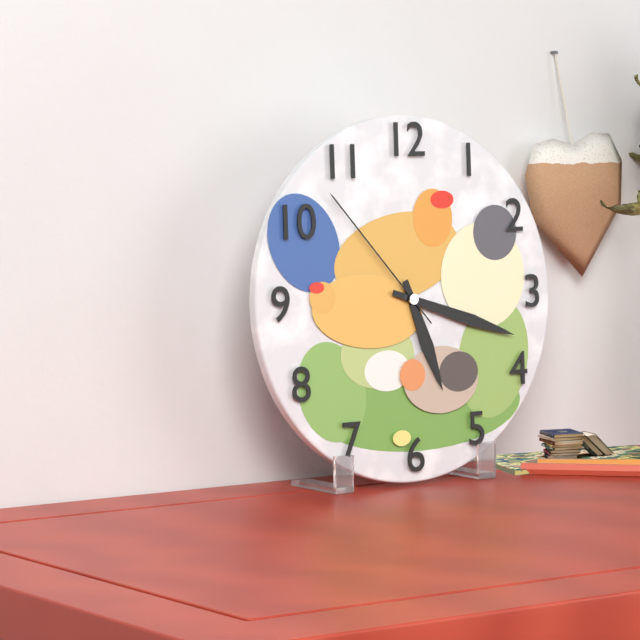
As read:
h=5 m=18 s=53
